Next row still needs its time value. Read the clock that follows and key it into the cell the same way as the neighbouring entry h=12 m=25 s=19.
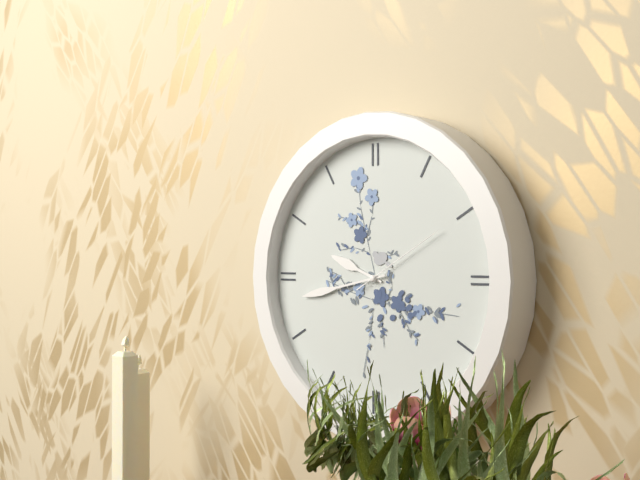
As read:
h=9 m=43 s=10
